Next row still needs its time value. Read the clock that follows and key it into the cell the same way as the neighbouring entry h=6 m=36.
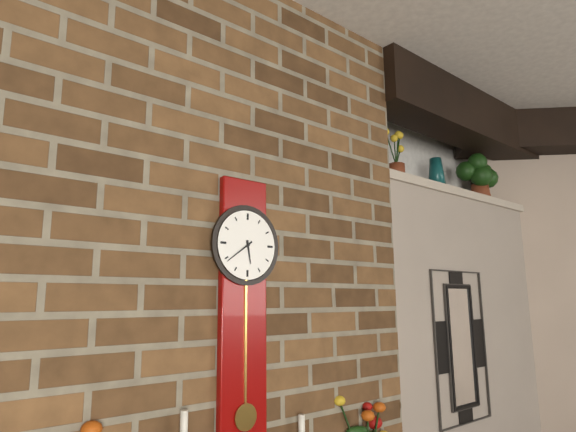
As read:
h=5 m=39
